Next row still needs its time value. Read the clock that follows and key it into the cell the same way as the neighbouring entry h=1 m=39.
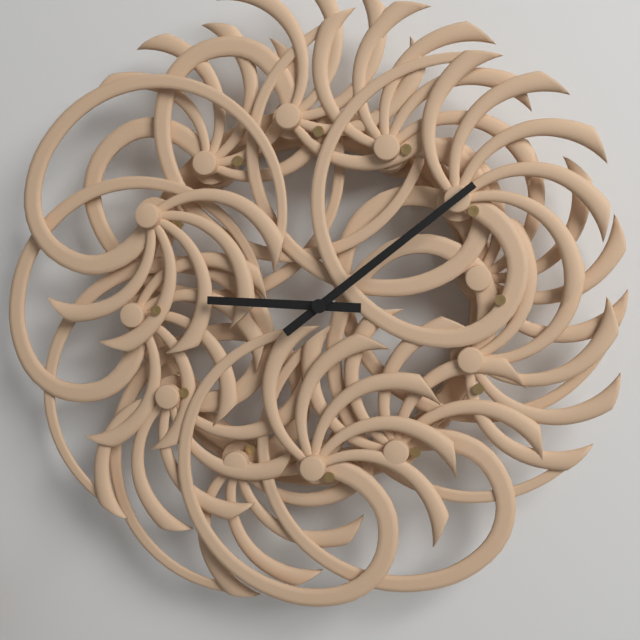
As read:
h=9 m=9
